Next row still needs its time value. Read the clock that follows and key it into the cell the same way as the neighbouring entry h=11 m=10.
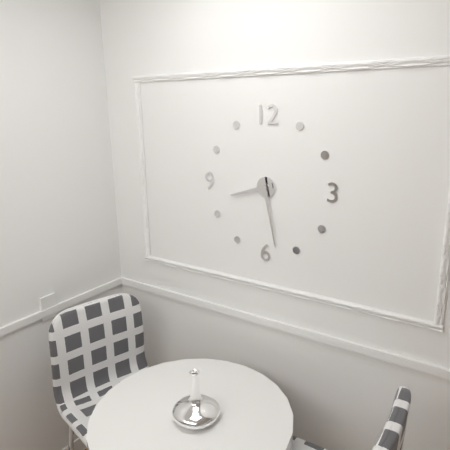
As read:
h=8 m=28
